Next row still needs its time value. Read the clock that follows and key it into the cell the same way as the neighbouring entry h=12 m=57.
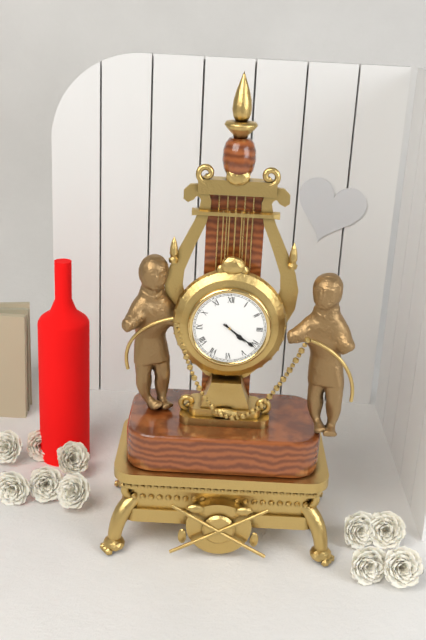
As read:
h=4 m=21
